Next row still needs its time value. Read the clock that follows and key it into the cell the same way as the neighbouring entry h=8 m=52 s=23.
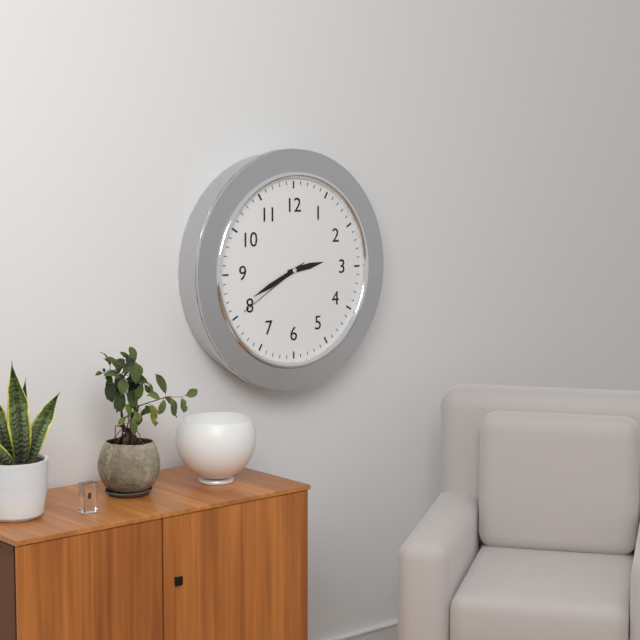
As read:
h=2 m=41 s=40
